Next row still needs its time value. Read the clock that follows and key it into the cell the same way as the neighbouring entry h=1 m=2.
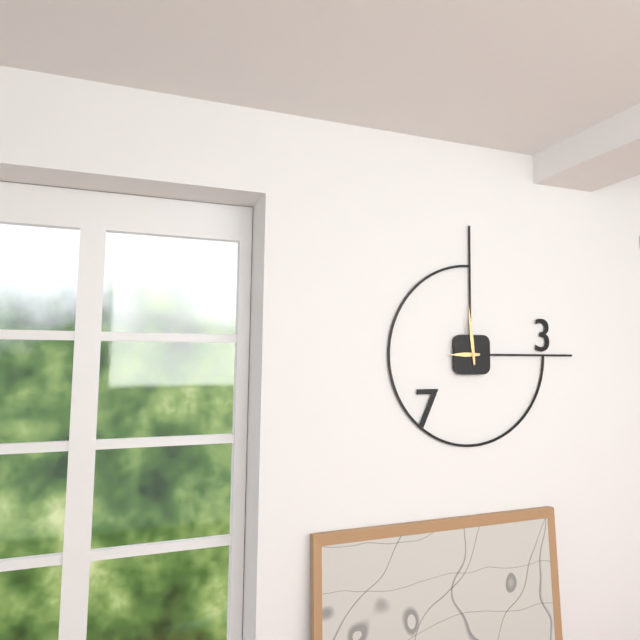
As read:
h=8 m=59
